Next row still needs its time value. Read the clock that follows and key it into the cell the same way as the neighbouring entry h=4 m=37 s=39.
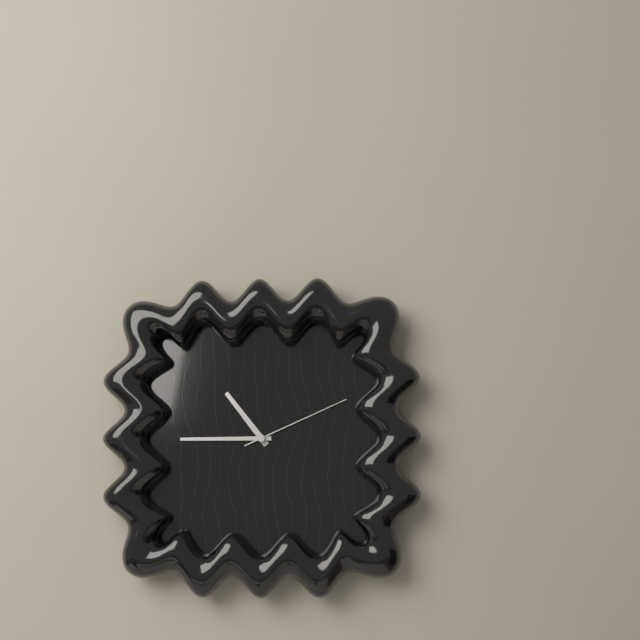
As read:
h=10 m=45 s=11
